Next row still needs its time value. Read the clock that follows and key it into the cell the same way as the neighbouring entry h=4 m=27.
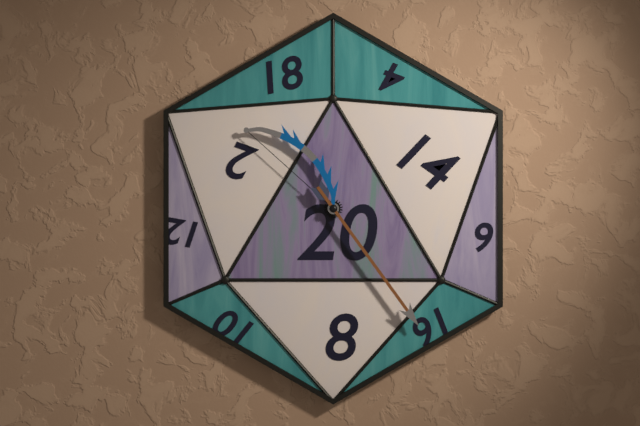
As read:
h=10 m=24
